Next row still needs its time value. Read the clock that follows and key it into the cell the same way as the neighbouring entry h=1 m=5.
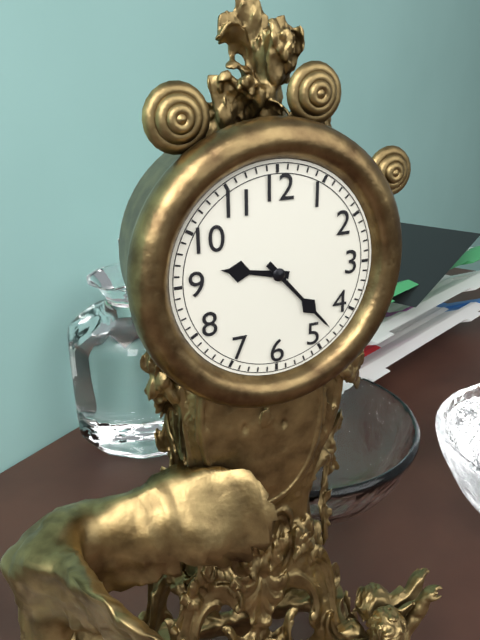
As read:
h=9 m=23
